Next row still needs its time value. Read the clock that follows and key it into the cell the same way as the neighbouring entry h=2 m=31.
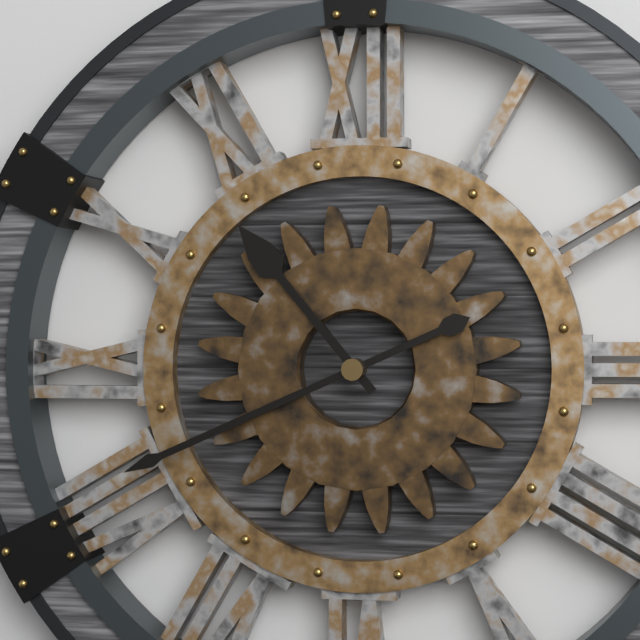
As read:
h=10 m=41
